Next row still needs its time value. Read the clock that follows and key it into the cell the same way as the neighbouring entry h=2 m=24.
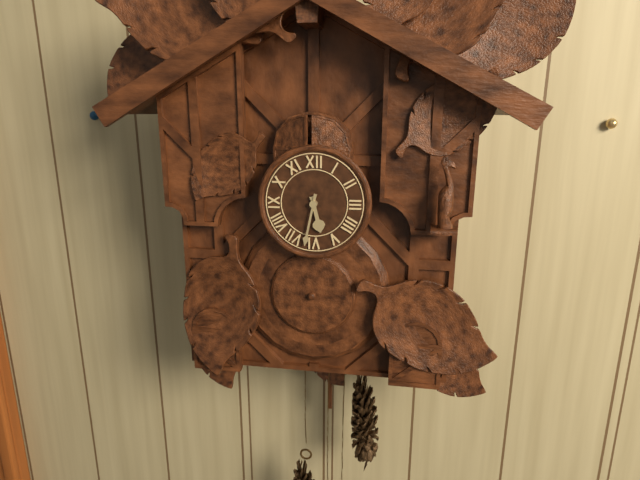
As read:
h=5 m=32
